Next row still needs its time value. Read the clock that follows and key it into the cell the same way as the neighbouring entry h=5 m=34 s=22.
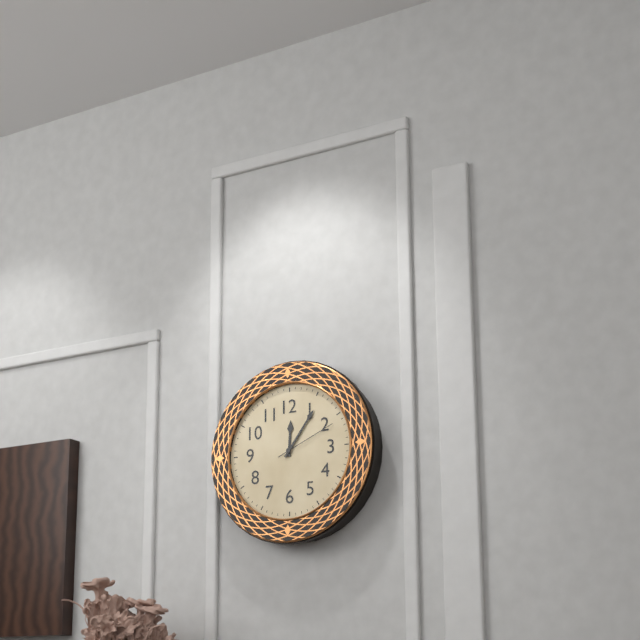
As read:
h=12 m=6 s=11
